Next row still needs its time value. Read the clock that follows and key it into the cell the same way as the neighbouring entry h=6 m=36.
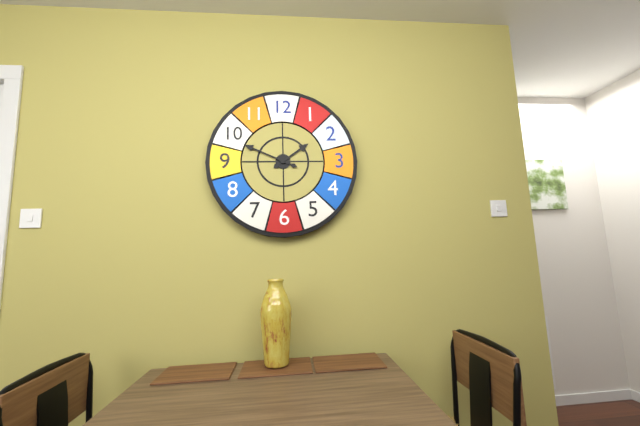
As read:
h=1 m=49
